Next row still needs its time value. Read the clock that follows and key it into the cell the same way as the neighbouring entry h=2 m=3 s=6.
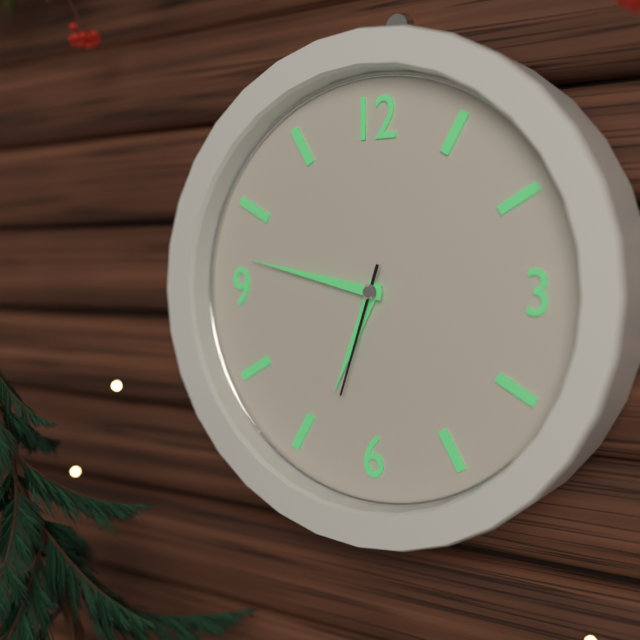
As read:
h=6 m=47 s=33
